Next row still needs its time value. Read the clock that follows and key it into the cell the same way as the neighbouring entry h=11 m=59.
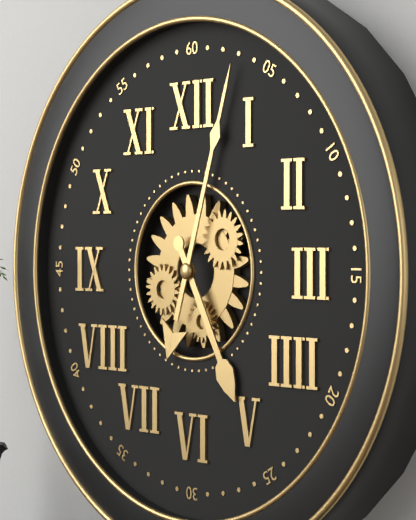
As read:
h=5 m=3
